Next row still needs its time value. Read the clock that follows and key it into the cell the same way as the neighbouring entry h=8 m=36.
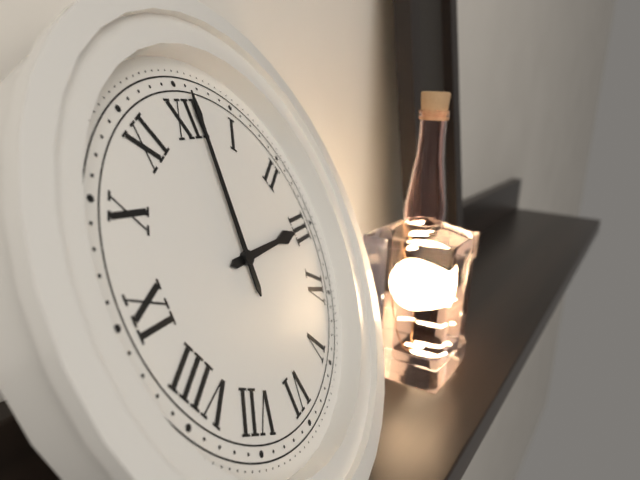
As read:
h=3 m=1
